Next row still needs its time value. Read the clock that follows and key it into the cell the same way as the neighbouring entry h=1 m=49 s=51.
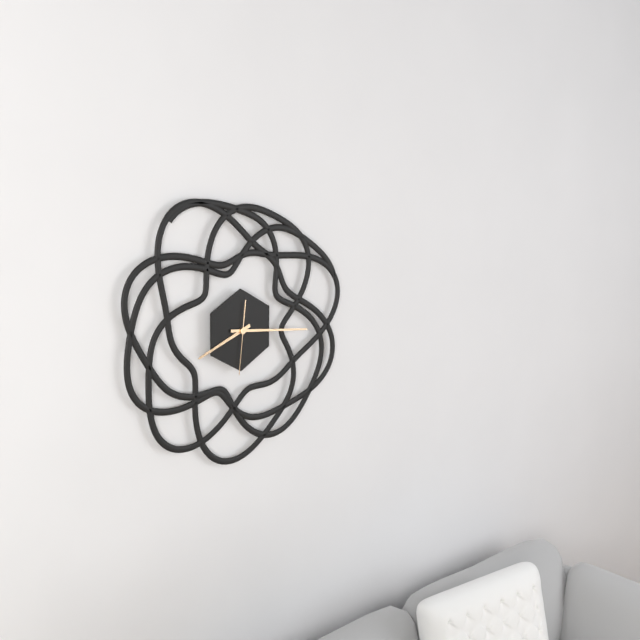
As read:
h=8 m=16 s=31
